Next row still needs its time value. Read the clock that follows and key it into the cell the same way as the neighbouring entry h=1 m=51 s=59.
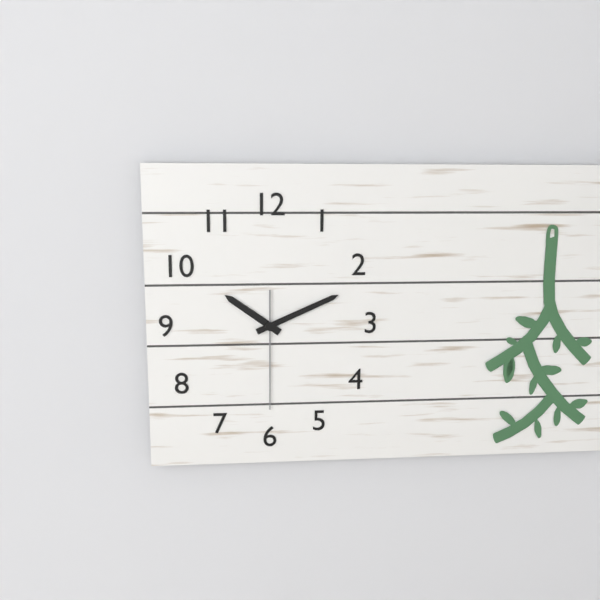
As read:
h=10 m=11 s=30
